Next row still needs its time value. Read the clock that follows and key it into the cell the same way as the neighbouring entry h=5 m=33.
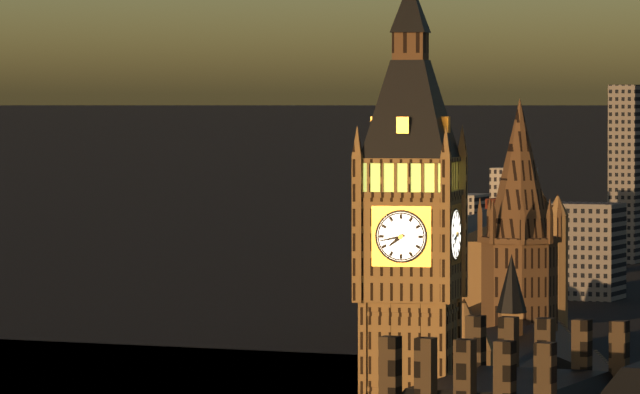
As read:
h=7 m=43
